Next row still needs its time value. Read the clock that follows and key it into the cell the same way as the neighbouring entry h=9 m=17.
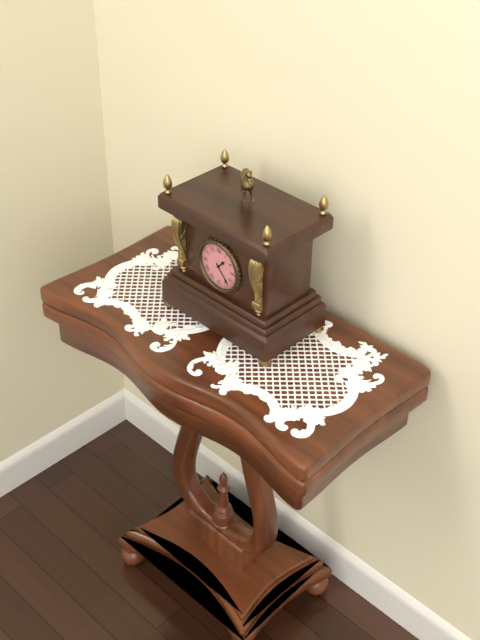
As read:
h=1 m=23
